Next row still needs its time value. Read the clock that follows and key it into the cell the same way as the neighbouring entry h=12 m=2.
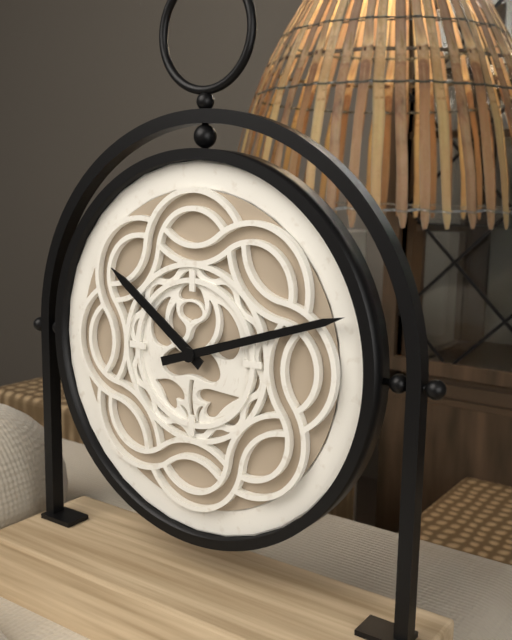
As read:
h=10 m=12
